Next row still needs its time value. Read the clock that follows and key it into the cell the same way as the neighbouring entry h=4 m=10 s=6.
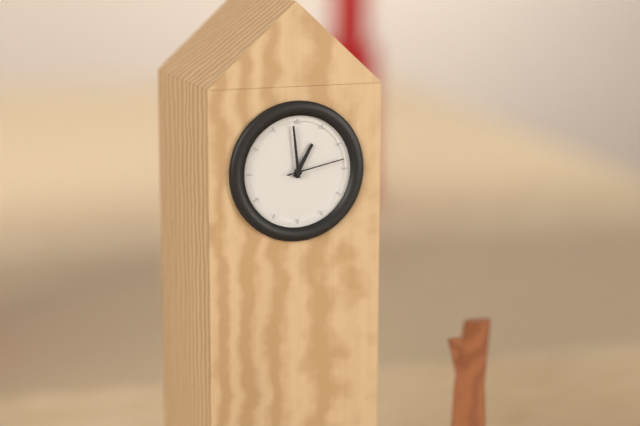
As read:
h=12 m=59 s=13
